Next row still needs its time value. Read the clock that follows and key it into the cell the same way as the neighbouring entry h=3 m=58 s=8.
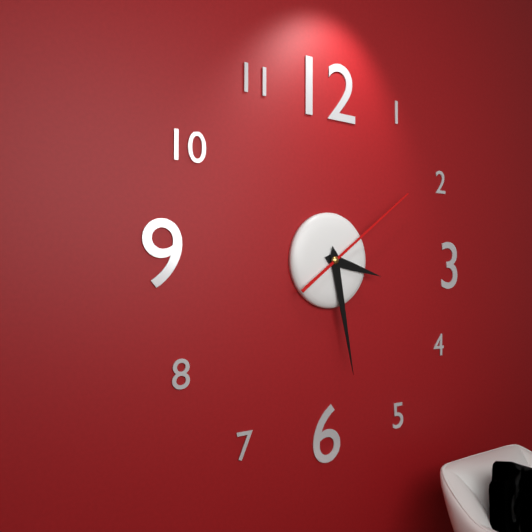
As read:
h=3 m=28 s=9
